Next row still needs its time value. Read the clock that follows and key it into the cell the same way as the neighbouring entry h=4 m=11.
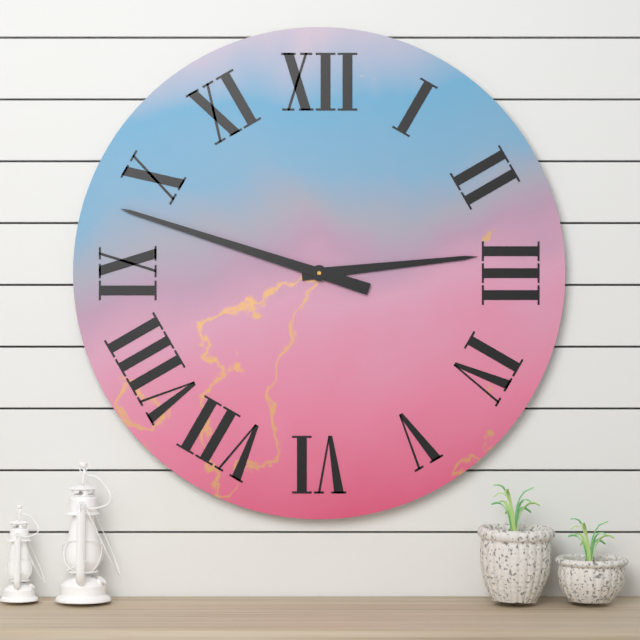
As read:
h=2 m=48
